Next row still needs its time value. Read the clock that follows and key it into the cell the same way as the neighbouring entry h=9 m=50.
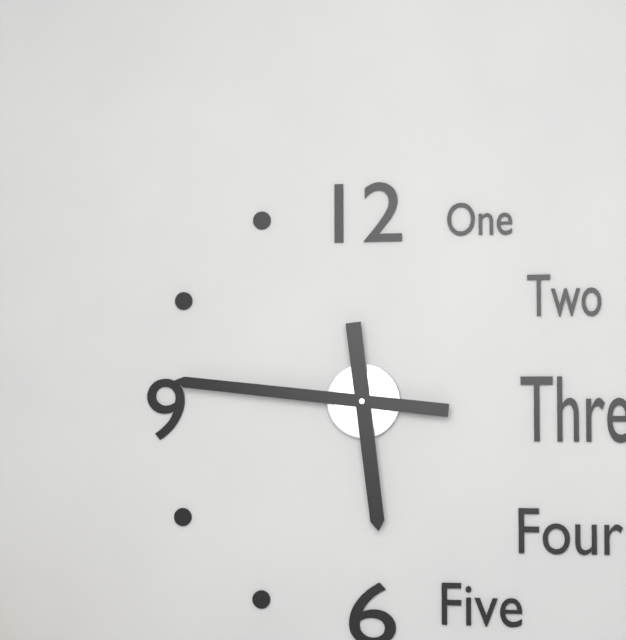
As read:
h=5 m=46
